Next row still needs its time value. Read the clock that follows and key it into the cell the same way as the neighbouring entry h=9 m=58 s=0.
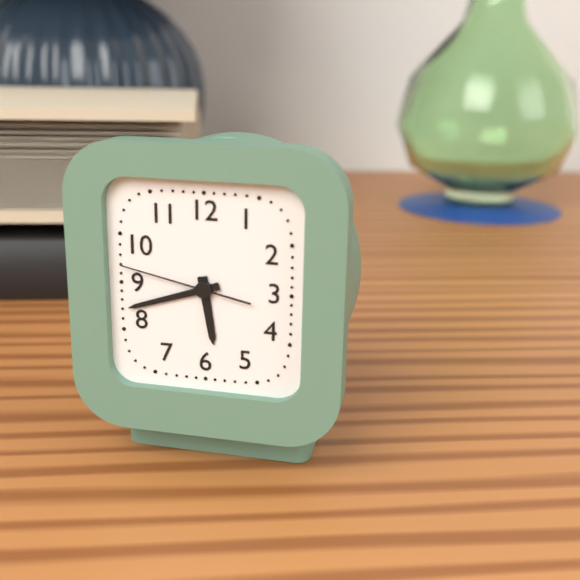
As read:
h=5 m=42 s=47
